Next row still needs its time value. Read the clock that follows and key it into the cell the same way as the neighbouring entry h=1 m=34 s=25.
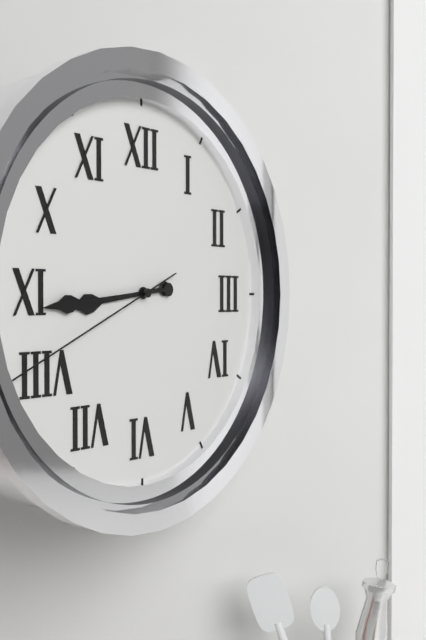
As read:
h=8 m=44 s=41
